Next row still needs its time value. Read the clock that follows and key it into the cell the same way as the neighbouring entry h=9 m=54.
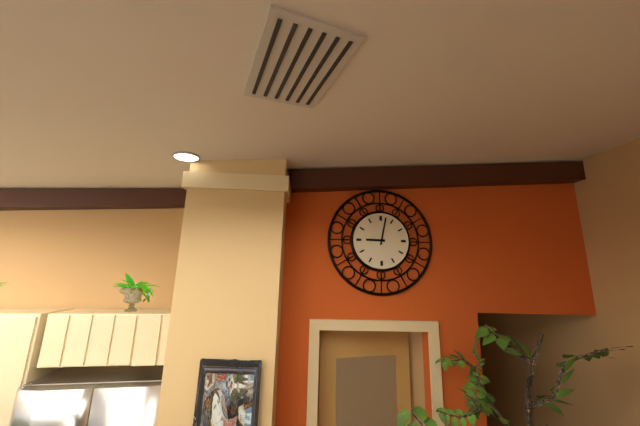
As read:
h=9 m=2
